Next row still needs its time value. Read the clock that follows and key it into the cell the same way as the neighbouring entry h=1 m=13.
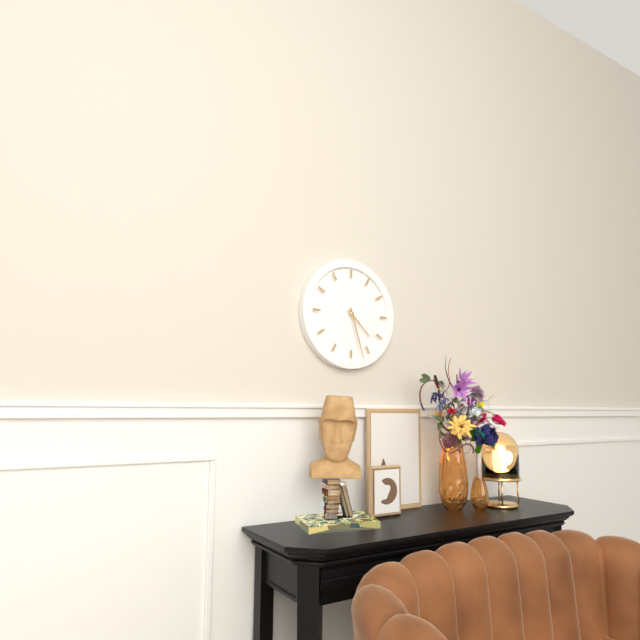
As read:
h=4 m=27
